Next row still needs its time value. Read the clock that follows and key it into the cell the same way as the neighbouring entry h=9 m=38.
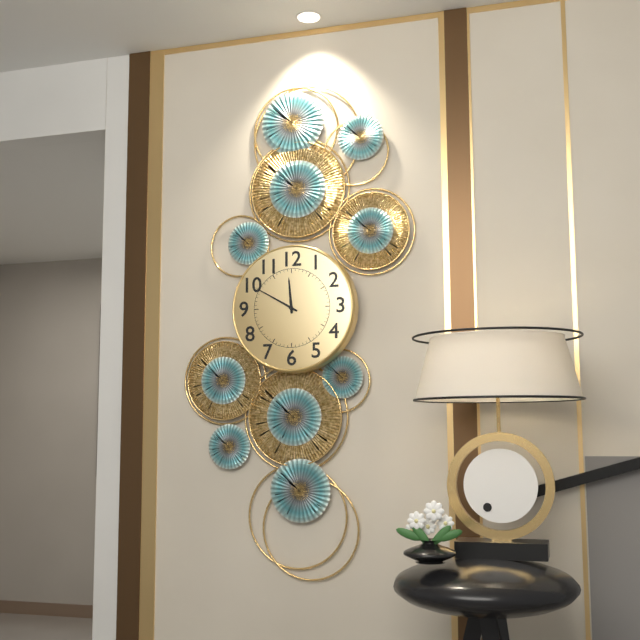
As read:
h=11 m=50
